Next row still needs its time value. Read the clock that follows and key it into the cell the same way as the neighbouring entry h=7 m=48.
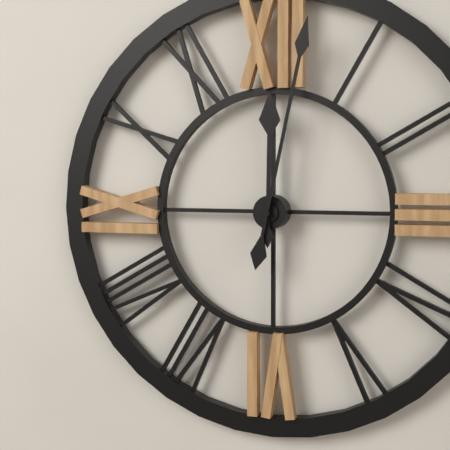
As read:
h=12 m=2
